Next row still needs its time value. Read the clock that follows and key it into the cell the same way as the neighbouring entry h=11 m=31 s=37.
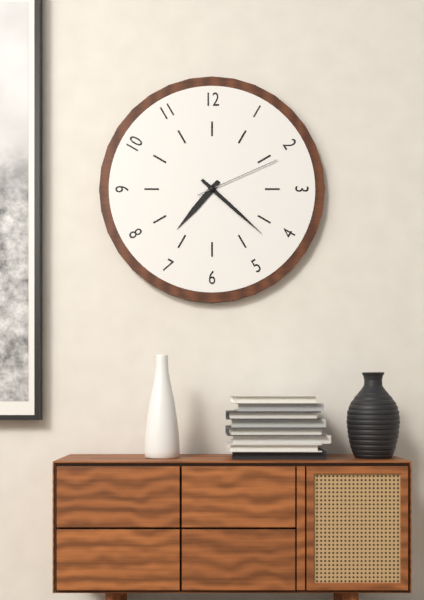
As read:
h=7 m=22 s=11
